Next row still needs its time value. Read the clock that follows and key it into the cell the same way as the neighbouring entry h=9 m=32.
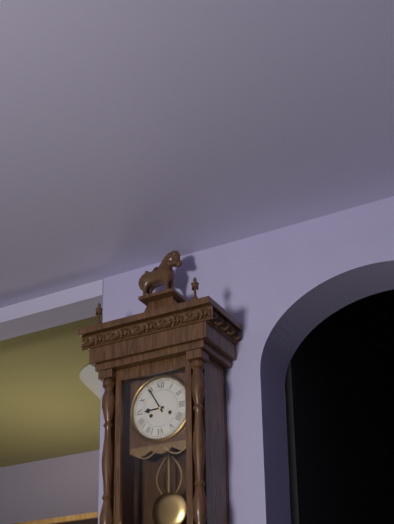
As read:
h=8 m=55
